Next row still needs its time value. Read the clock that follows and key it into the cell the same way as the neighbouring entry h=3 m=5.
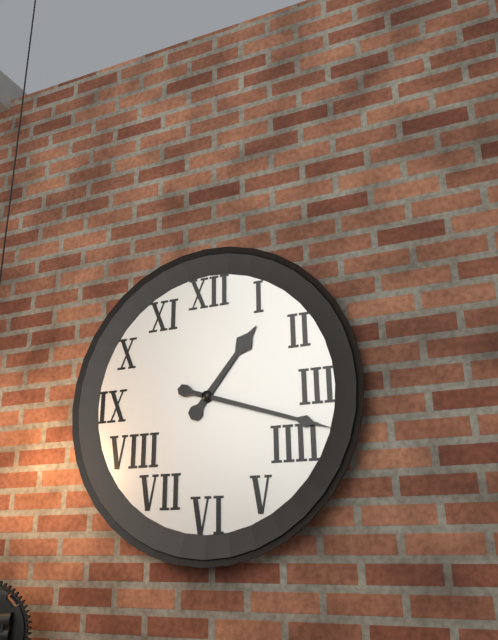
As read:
h=1 m=18
